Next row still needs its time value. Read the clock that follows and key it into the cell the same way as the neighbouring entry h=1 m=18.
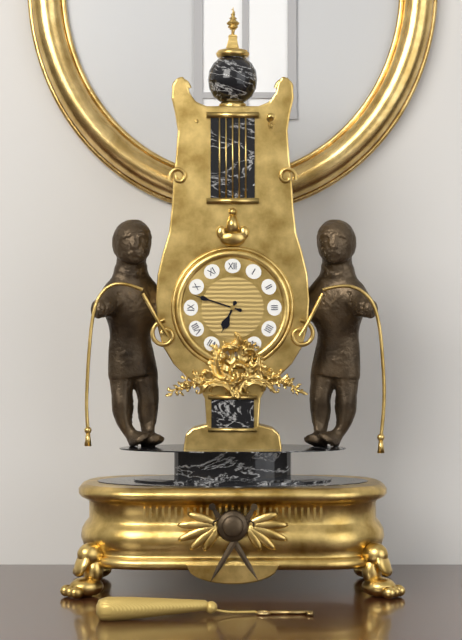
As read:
h=6 m=48
